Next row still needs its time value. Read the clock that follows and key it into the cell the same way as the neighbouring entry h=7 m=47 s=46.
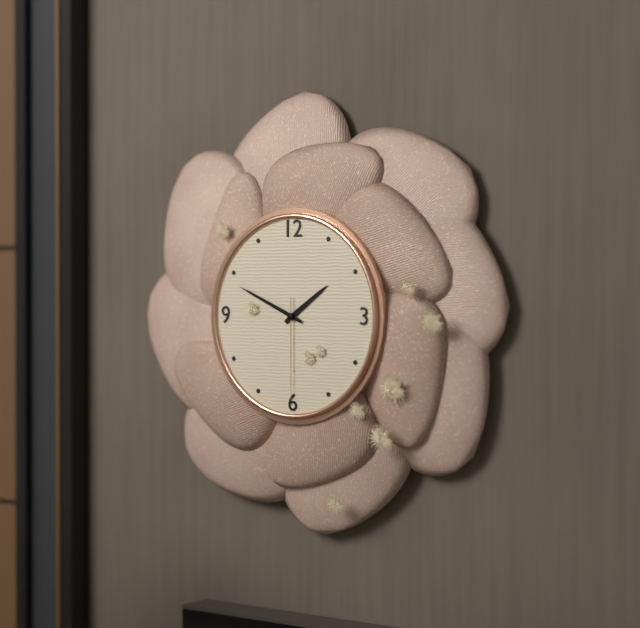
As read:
h=1 m=49 s=30
